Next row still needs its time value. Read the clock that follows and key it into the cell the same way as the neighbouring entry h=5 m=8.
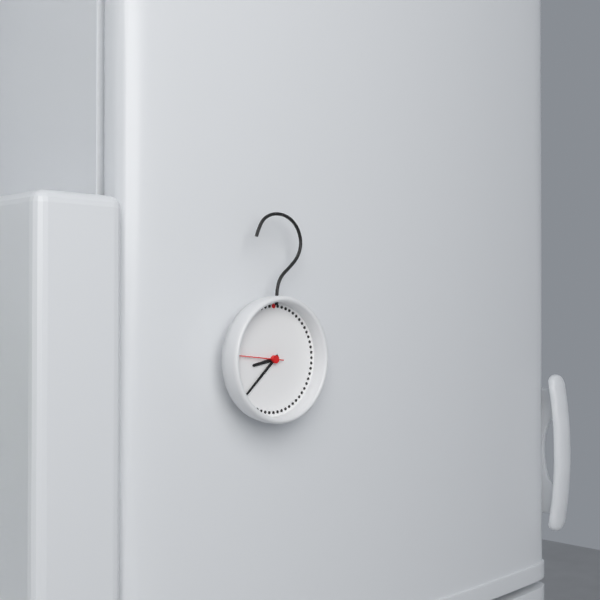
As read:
h=8 m=38
